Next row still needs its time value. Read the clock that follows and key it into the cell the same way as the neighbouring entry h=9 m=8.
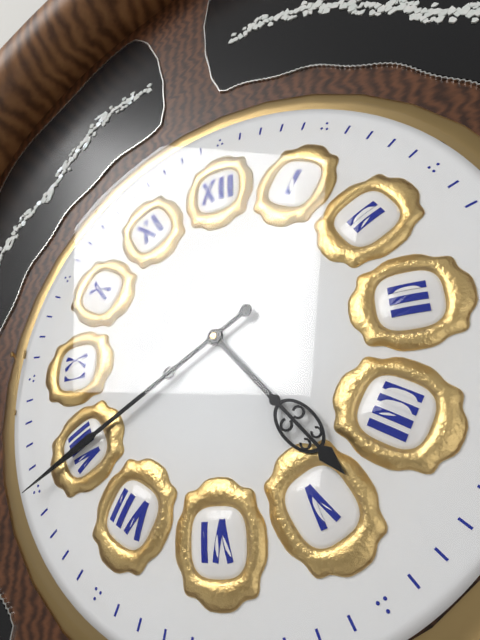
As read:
h=4 m=40
